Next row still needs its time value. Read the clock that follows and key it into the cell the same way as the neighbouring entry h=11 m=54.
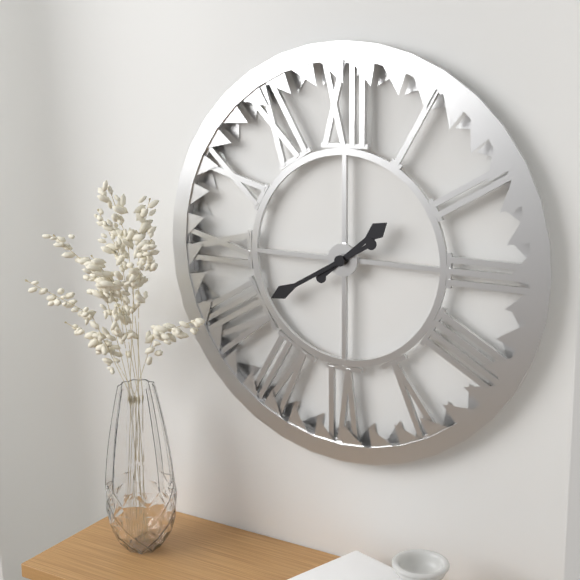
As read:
h=1 m=40
